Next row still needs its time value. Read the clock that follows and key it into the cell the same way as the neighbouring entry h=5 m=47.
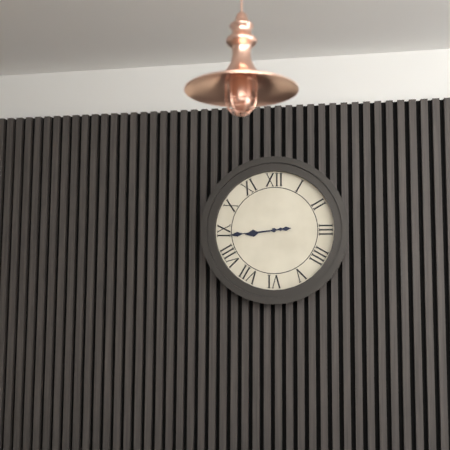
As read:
h=8 m=44
